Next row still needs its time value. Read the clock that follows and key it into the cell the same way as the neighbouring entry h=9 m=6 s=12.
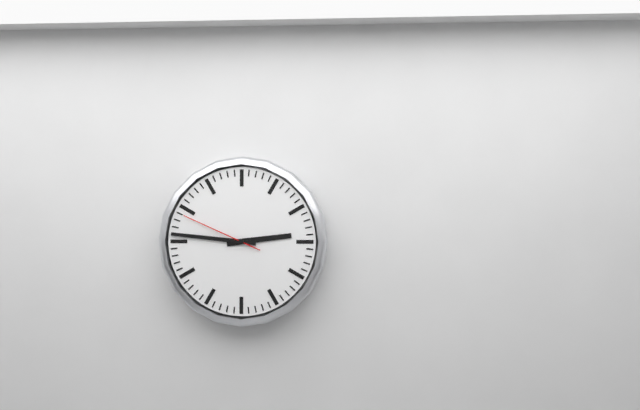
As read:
h=2 m=46 s=49
